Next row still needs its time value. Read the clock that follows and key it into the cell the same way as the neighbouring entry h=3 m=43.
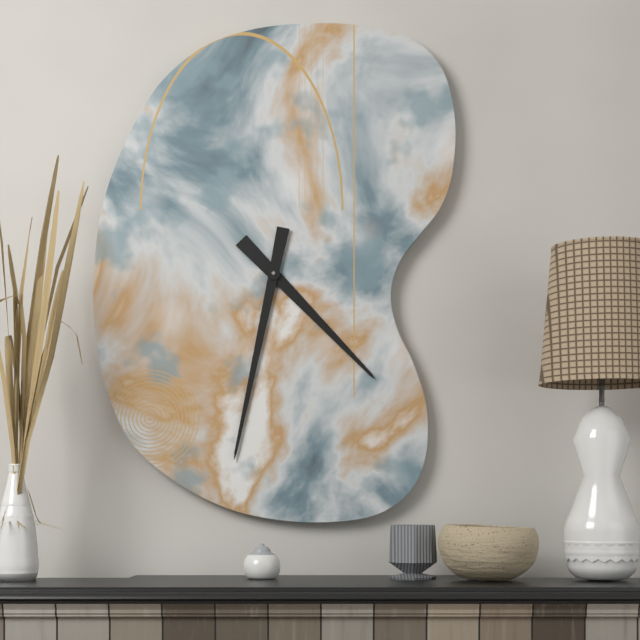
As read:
h=4 m=32
